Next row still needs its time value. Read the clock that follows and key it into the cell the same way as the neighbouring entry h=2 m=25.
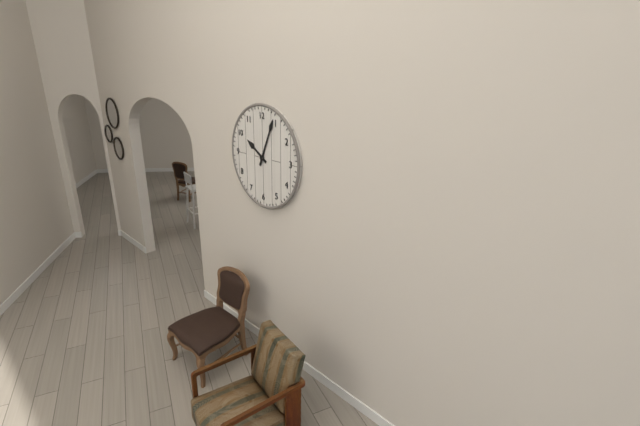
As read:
h=10 m=4
